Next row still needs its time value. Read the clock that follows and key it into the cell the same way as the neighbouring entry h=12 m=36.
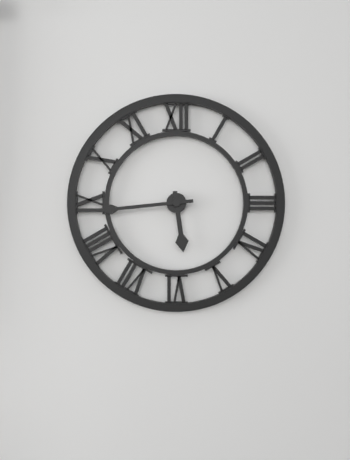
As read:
h=5 m=44
